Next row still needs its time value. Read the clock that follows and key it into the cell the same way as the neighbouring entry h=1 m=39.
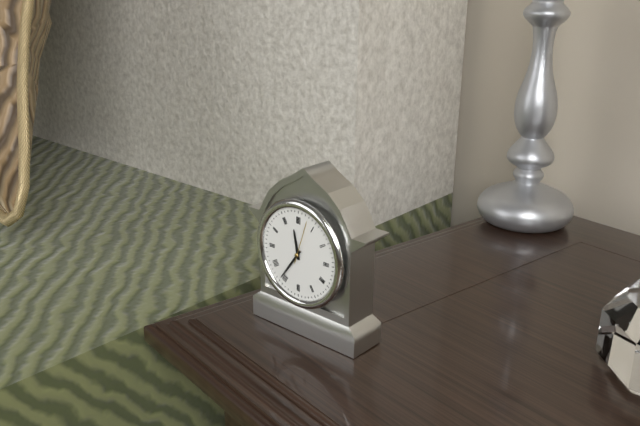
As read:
h=11 m=36
